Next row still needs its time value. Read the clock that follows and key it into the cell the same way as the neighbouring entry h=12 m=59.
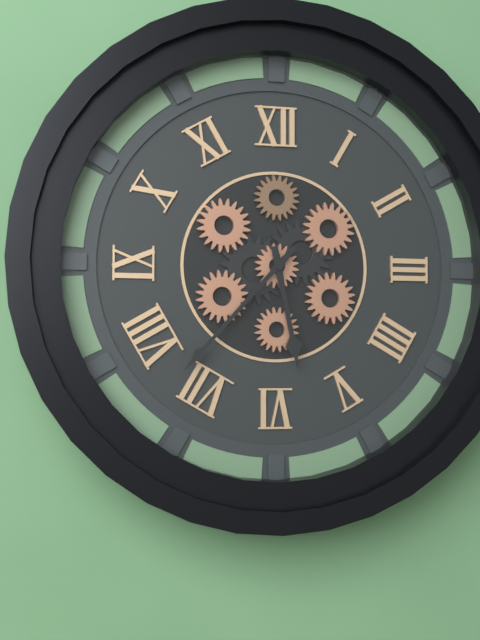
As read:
h=5 m=37
